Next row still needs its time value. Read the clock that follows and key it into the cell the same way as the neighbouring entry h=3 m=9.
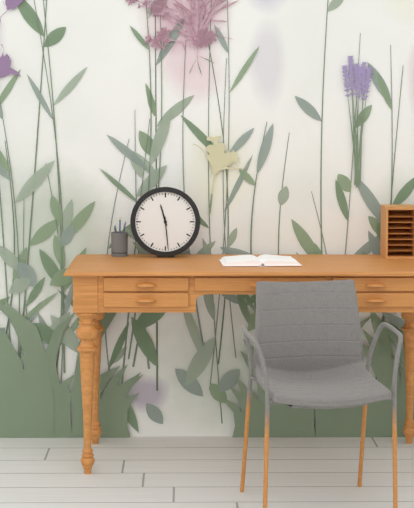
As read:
h=11 m=29
